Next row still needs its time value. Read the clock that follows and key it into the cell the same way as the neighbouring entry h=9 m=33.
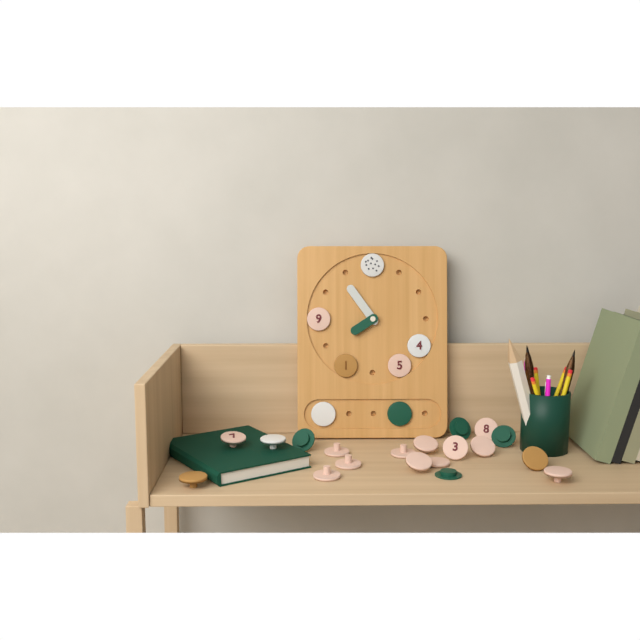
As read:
h=7 m=54
